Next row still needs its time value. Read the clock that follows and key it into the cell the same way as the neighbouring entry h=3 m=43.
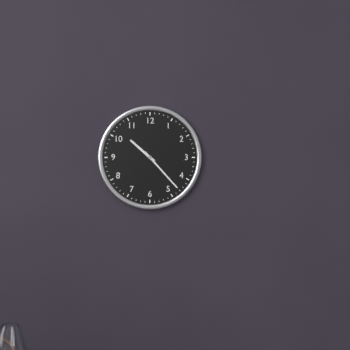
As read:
h=10 m=23
